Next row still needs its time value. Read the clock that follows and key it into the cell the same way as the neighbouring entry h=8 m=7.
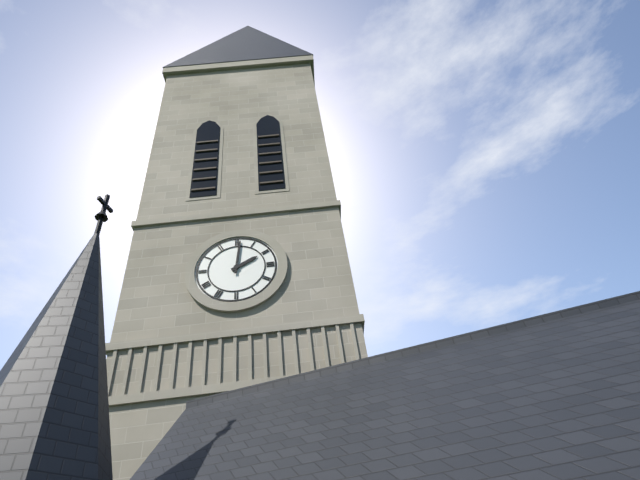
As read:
h=2 m=1
